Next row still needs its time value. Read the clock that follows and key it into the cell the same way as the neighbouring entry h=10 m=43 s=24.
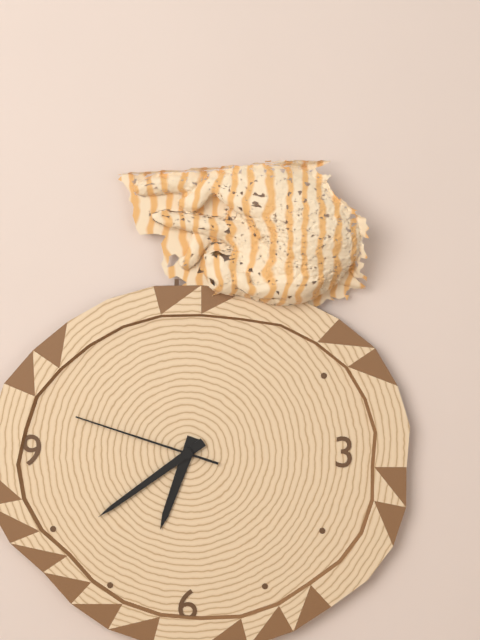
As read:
h=6 m=39 s=48
